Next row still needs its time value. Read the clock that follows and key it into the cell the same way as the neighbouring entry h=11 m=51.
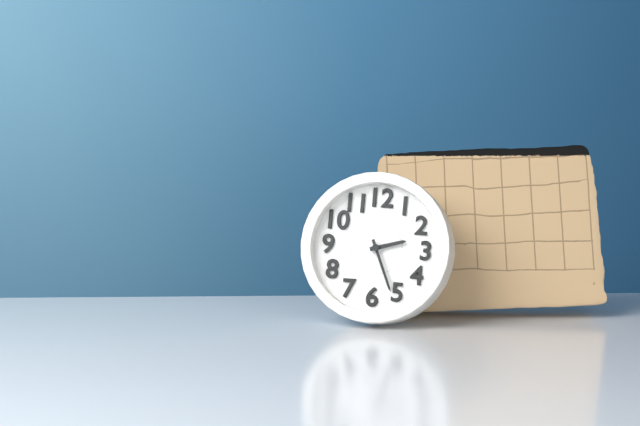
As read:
h=2 m=26
